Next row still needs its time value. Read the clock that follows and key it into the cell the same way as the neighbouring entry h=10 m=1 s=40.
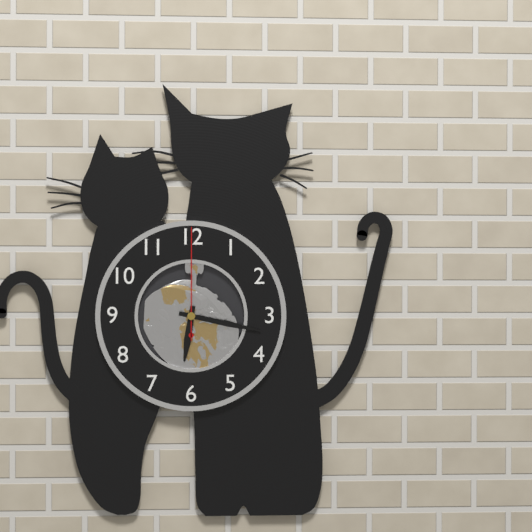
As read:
h=6 m=17 s=0
